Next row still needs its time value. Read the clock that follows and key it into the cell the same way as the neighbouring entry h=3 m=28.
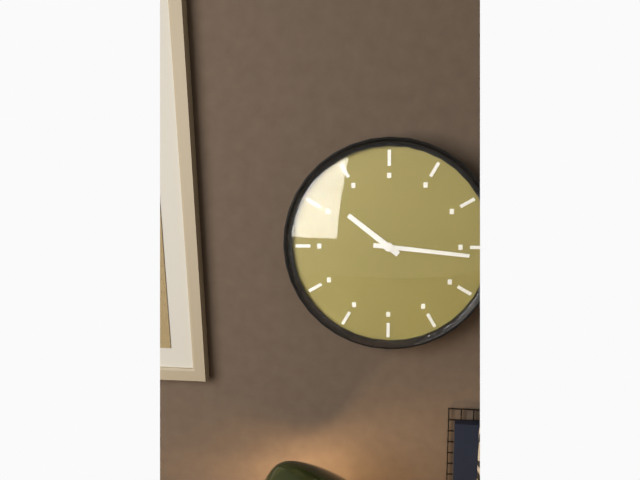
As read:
h=10 m=16
